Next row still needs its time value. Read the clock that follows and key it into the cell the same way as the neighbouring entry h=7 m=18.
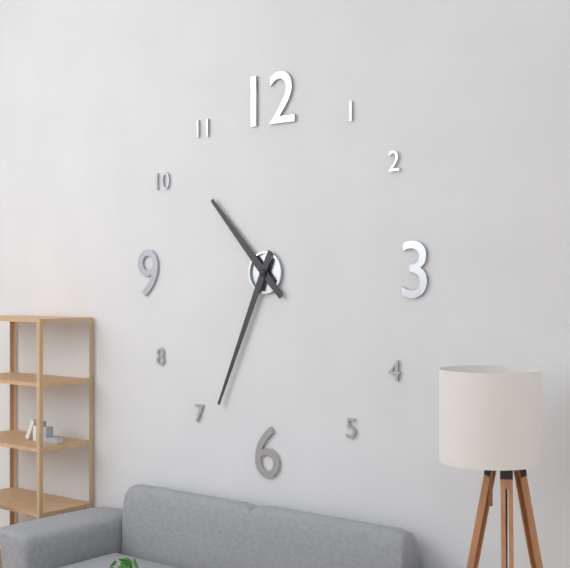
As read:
h=10 m=34
